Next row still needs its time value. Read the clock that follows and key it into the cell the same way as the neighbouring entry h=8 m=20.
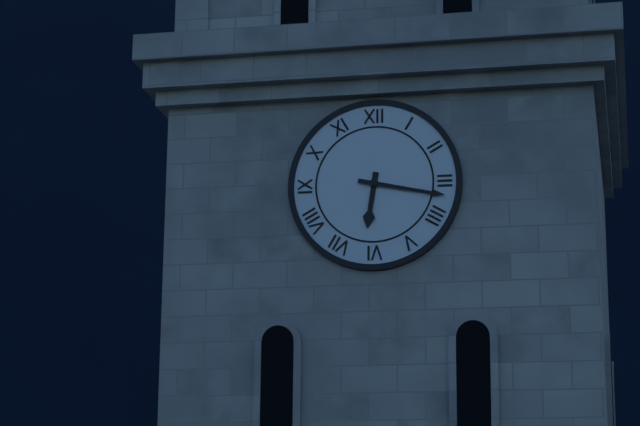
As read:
h=6 m=17
